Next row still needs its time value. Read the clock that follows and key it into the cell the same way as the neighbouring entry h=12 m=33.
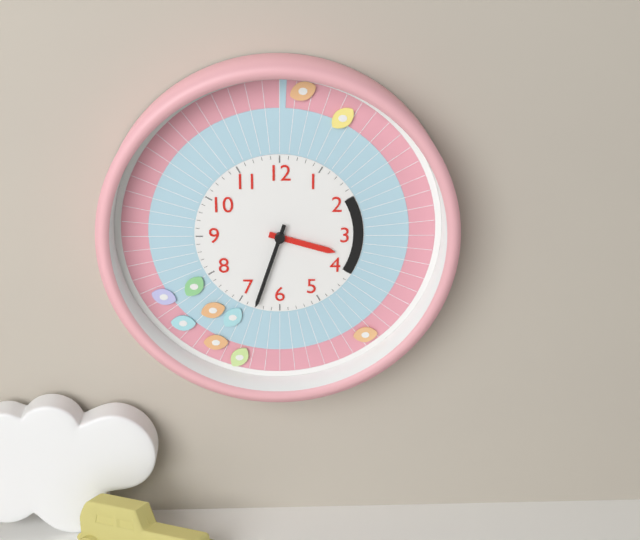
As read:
h=3 m=33
